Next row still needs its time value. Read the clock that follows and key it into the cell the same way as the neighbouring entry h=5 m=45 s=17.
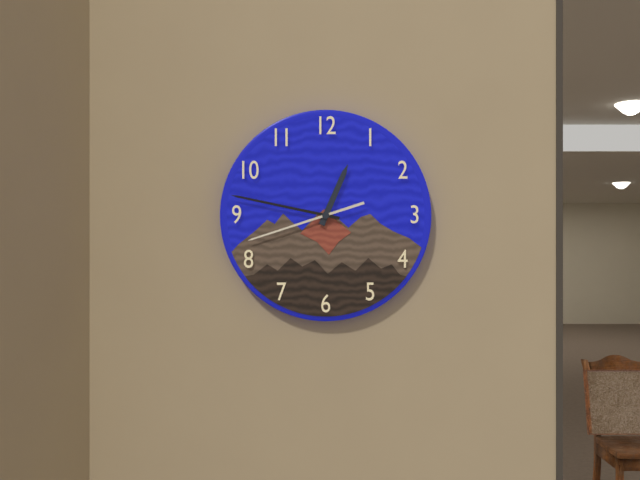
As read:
h=12 m=47 s=42
